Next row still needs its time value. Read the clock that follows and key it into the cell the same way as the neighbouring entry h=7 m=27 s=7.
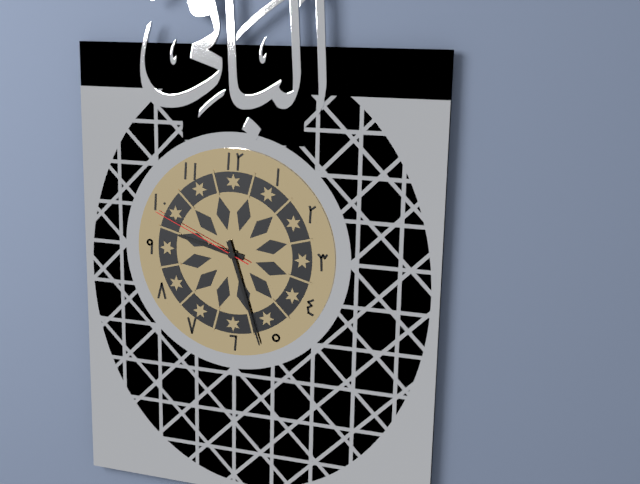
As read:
h=9 m=27 s=49
